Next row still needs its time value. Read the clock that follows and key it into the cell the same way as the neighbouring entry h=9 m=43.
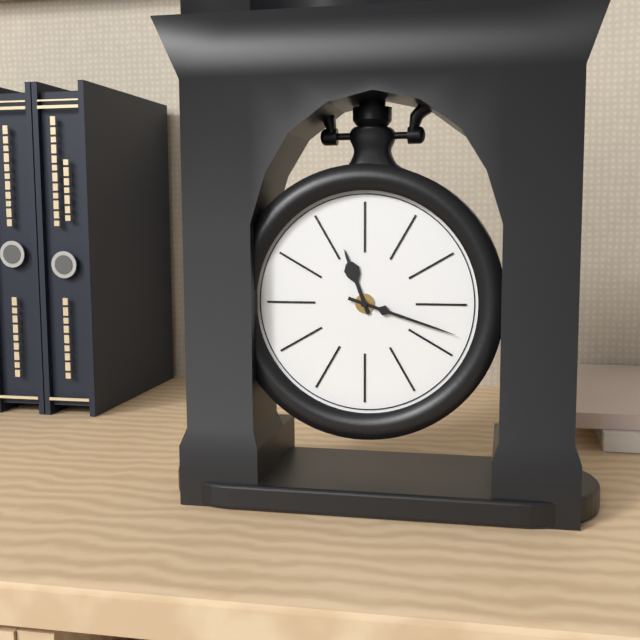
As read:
h=11 m=18
